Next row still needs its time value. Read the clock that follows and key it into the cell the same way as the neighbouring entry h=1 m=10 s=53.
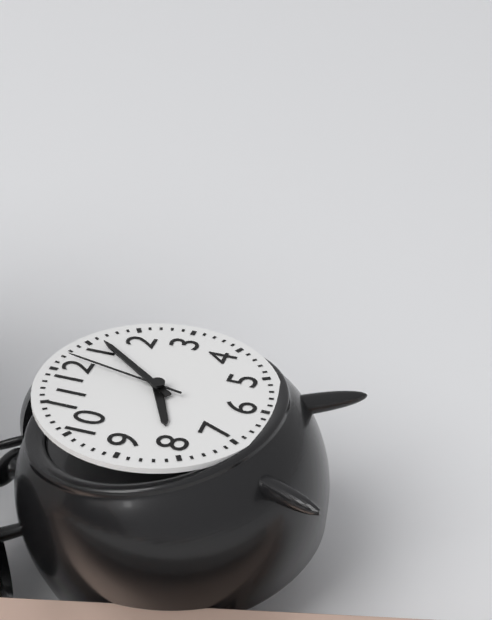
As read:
h=8 m=6 s=2
